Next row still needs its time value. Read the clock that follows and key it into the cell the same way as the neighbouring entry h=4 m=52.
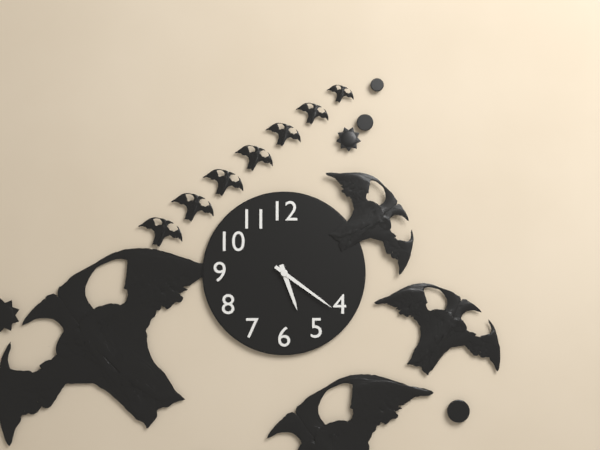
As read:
h=5 m=21
